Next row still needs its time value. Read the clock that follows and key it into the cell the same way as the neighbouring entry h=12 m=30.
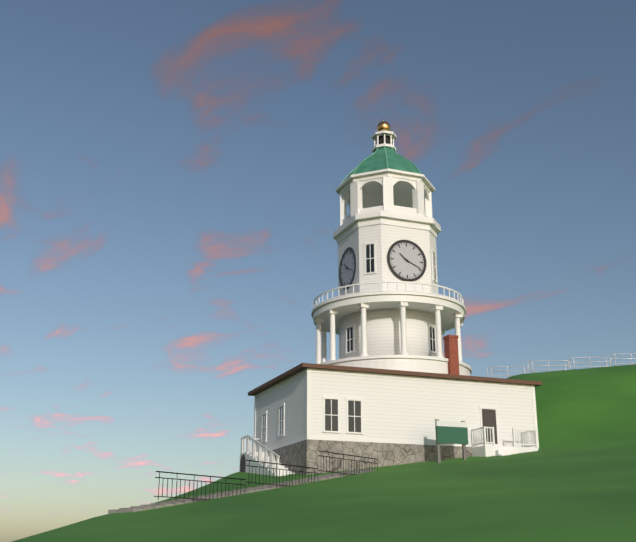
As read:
h=10 m=19
